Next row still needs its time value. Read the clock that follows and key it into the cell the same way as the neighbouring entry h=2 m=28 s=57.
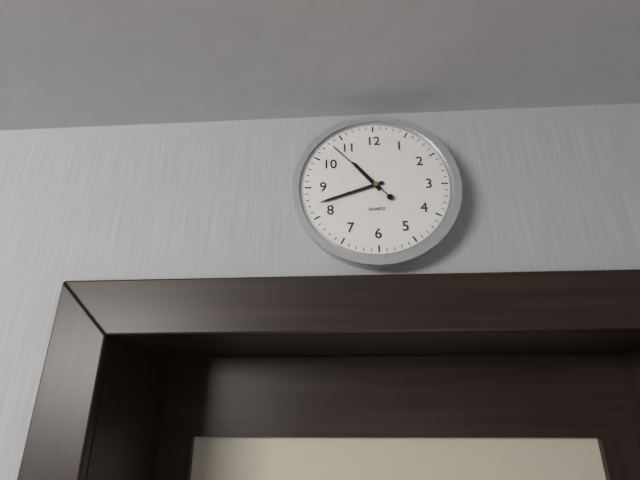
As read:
h=10 m=42 s=53
